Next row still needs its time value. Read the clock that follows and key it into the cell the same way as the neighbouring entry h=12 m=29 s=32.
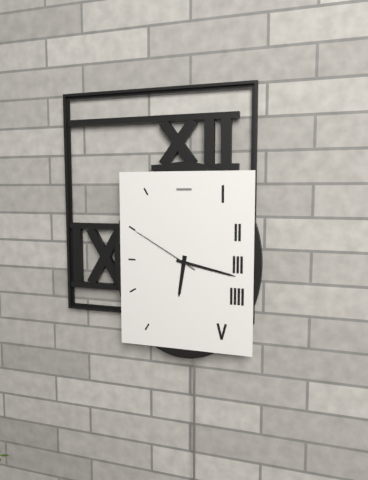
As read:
h=6 m=17 s=50
